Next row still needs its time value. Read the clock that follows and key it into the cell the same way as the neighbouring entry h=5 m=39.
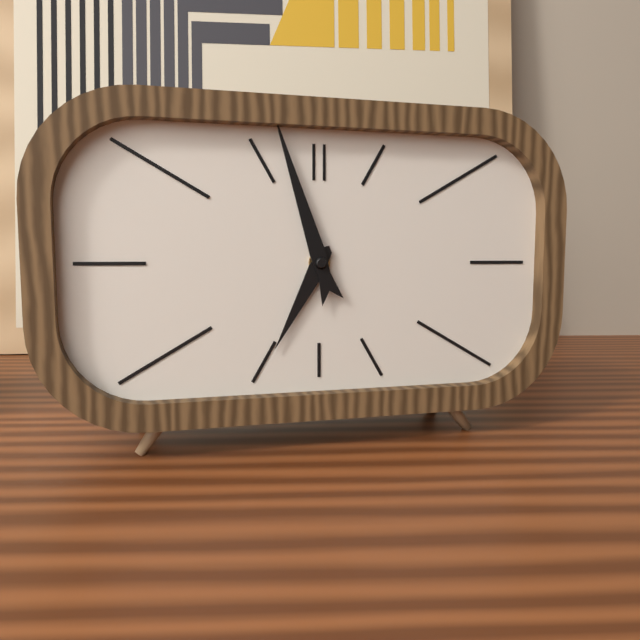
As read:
h=6 m=57
